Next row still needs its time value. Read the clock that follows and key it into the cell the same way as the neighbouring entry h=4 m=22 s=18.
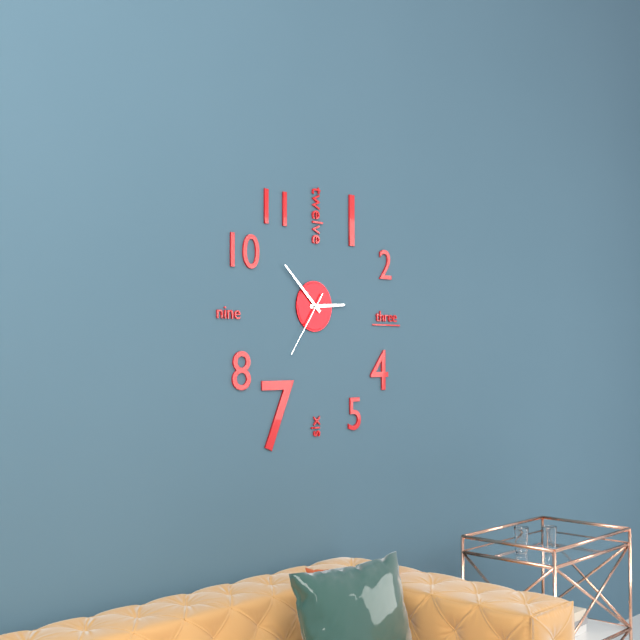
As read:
h=2 m=52 s=36
